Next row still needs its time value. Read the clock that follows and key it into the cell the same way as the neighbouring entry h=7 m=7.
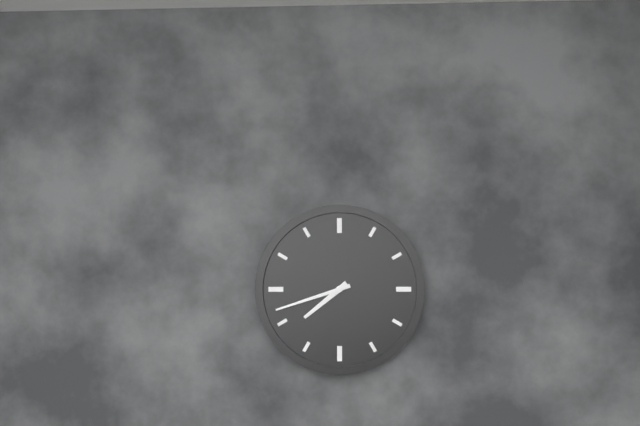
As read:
h=7 m=42
